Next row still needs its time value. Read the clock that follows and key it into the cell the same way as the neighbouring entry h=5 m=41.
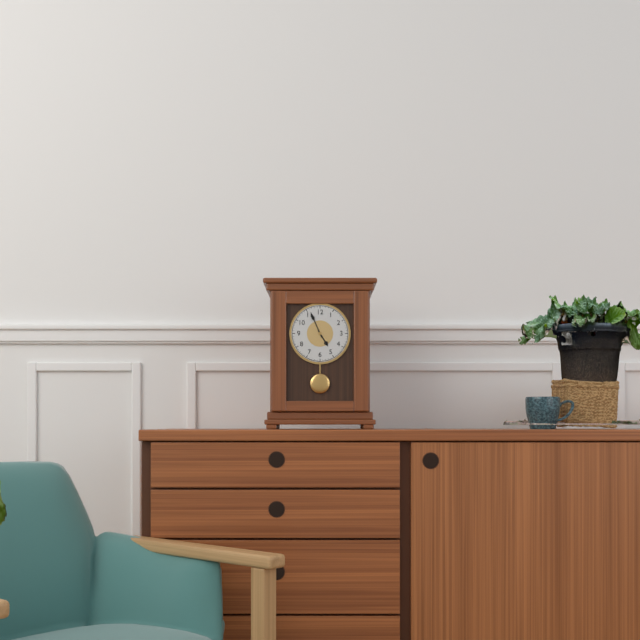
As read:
h=4 m=56
